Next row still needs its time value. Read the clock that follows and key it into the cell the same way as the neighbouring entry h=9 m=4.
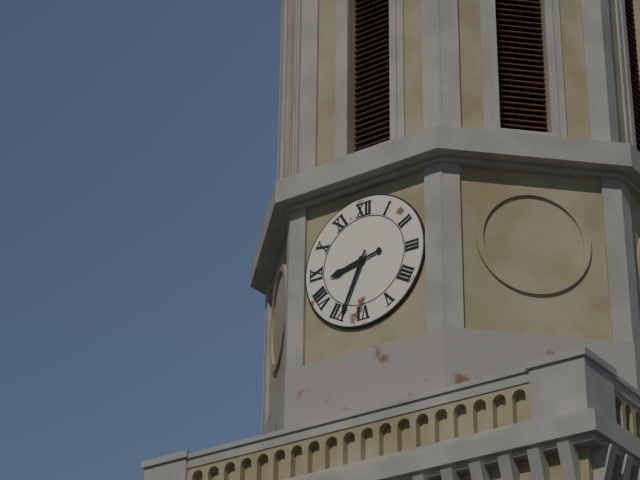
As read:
h=8 m=34
